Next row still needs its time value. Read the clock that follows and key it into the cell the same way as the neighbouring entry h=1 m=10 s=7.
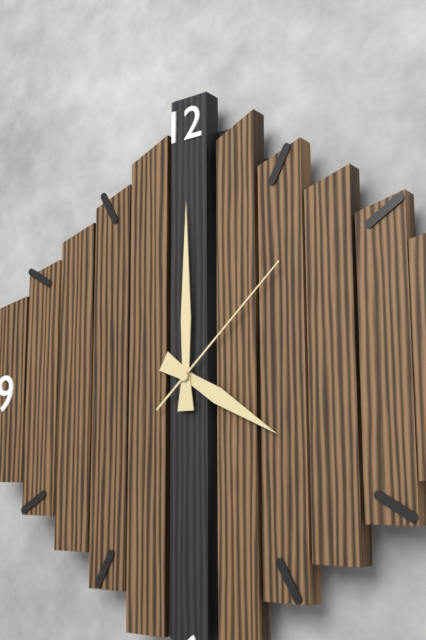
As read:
h=4 m=0 s=8
